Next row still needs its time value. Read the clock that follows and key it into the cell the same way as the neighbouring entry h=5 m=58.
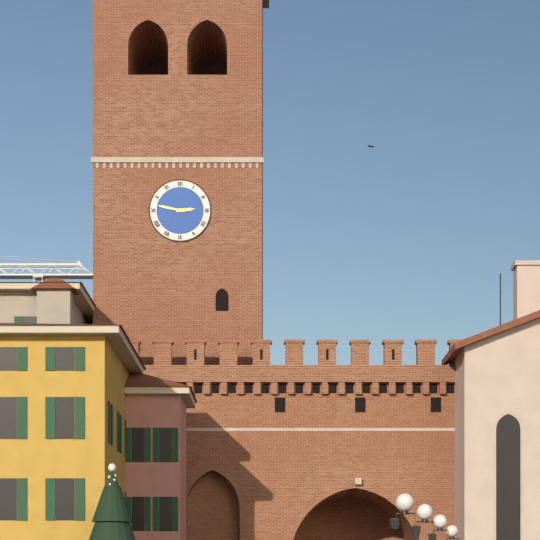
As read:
h=2 m=47
